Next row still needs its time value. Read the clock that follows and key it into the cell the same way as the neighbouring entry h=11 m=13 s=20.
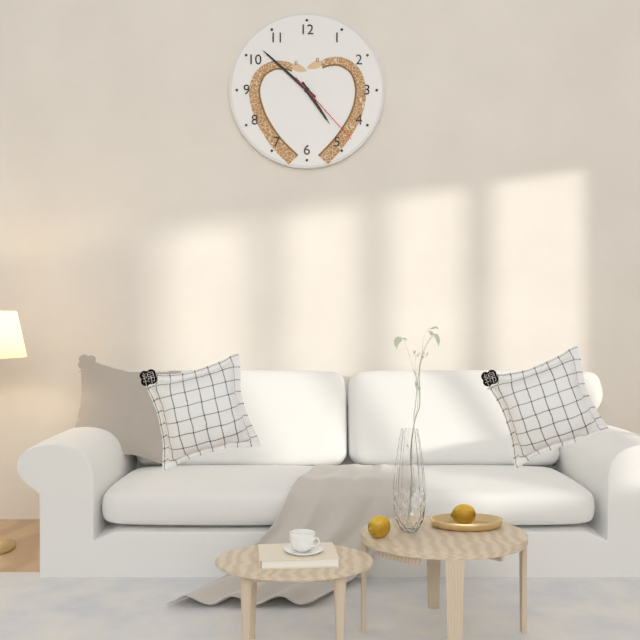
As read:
h=4 m=52 s=23
